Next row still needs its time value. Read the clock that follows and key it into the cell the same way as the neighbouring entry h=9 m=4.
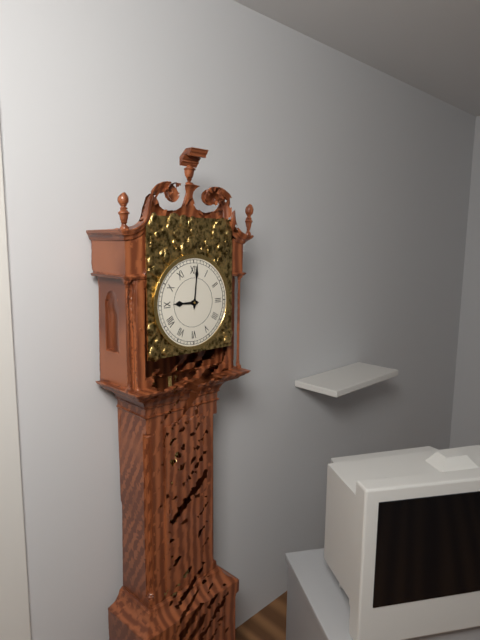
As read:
h=9 m=1
